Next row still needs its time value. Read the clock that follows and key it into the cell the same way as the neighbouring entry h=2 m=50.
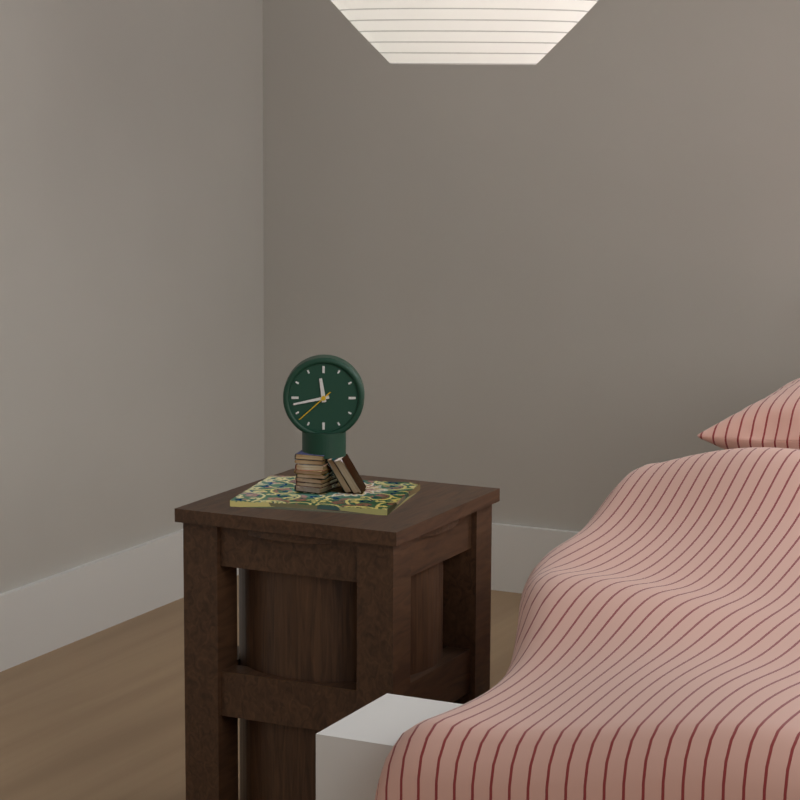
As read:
h=11 m=43
